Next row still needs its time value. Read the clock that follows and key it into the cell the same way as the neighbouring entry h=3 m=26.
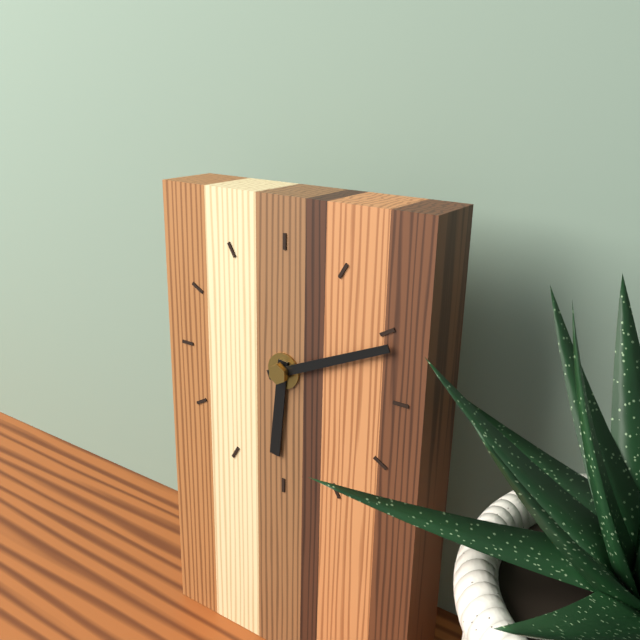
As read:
h=6 m=11
